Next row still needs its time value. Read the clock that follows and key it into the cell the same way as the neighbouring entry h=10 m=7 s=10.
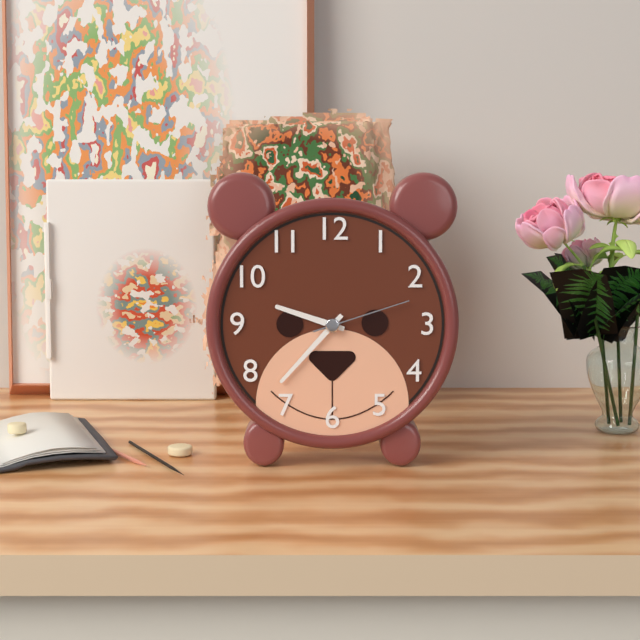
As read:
h=9 m=37 s=12
